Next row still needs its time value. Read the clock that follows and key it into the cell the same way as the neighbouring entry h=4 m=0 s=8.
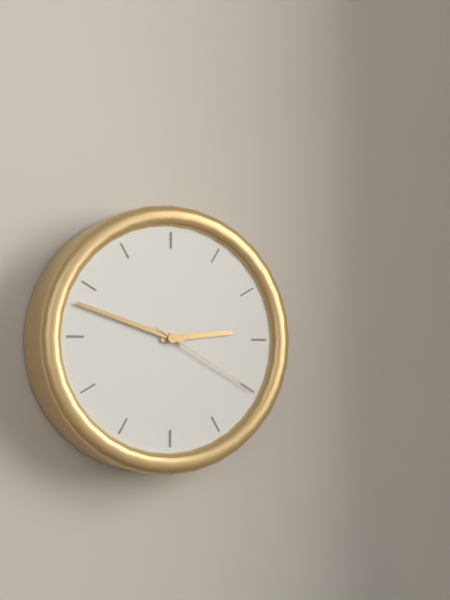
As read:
h=2 m=48 s=20
